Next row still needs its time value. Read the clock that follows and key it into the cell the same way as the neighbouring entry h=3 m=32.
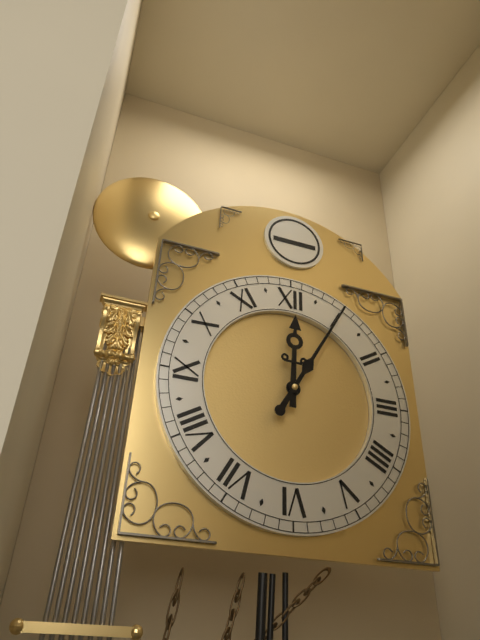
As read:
h=12 m=5
